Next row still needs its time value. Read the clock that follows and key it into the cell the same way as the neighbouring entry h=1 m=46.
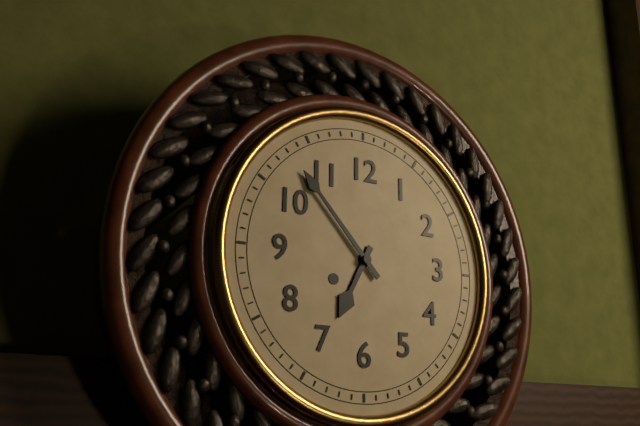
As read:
h=6 m=53
